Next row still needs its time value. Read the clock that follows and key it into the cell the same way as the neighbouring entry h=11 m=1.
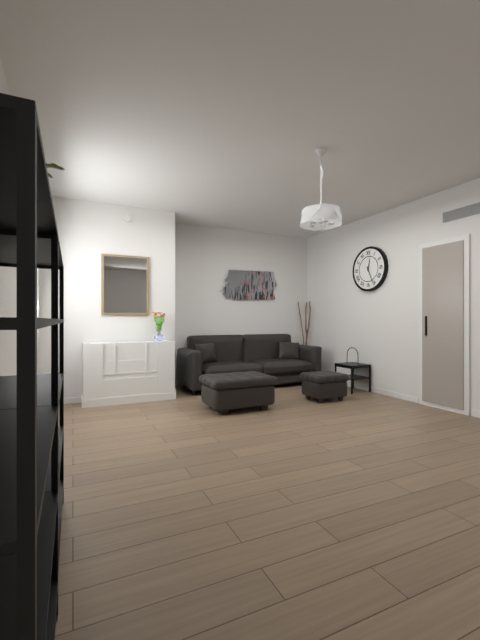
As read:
h=12 m=26
